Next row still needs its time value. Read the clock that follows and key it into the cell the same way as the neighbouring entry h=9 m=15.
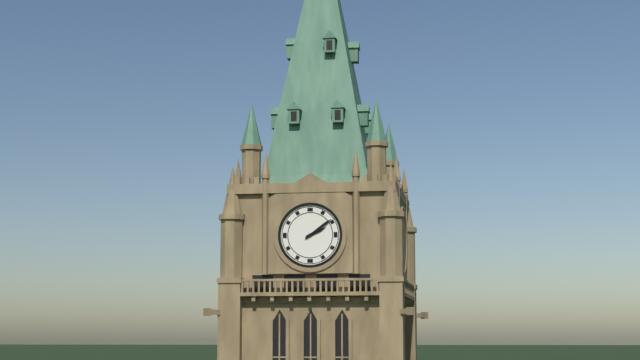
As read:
h=2 m=9
